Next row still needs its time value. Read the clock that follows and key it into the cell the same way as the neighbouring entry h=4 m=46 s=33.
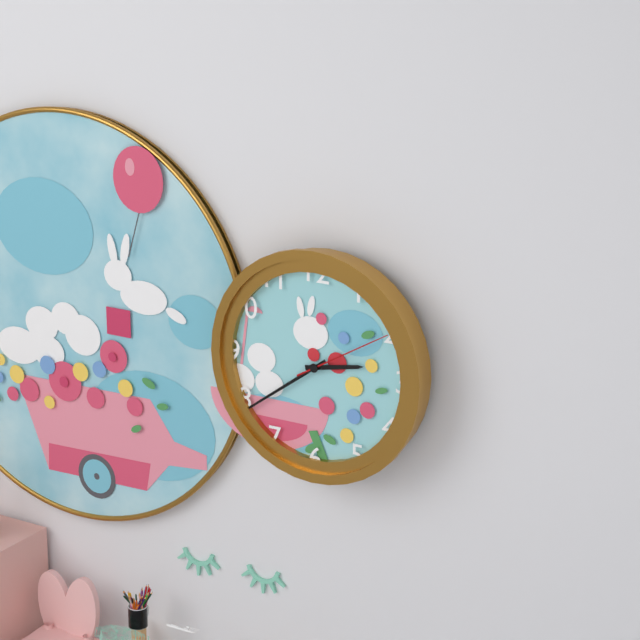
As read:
h=2 m=39 s=10
